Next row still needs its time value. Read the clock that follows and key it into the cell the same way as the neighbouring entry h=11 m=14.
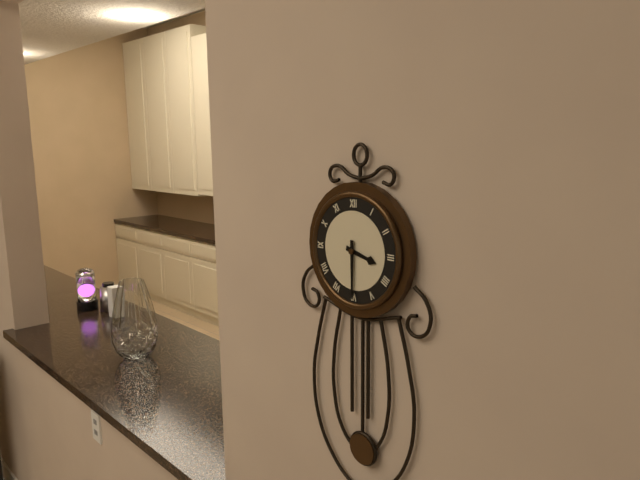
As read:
h=3 m=30
